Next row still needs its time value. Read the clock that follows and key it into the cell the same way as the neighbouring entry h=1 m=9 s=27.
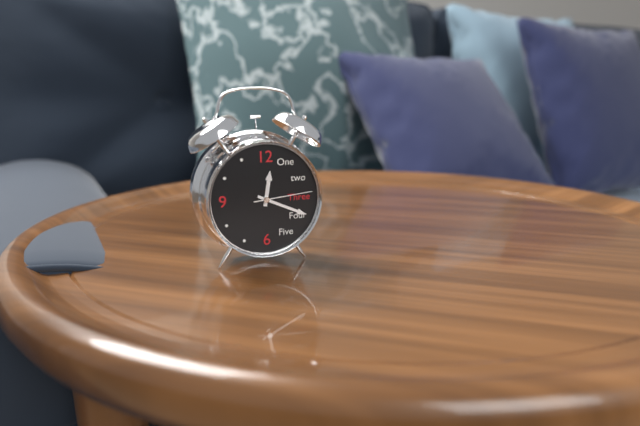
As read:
h=12 m=19 s=14
